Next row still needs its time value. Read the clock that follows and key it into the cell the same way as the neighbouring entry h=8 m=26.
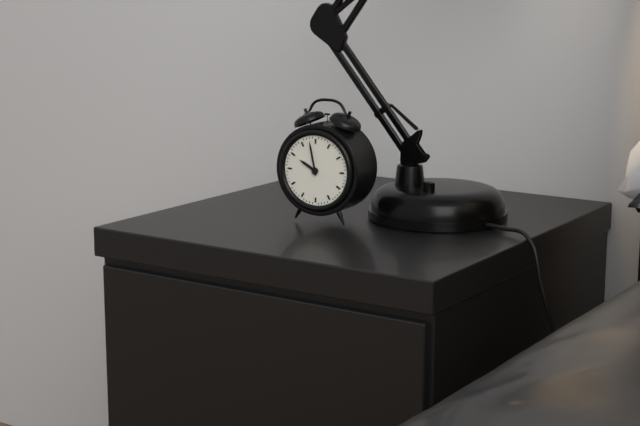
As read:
h=9 m=58
